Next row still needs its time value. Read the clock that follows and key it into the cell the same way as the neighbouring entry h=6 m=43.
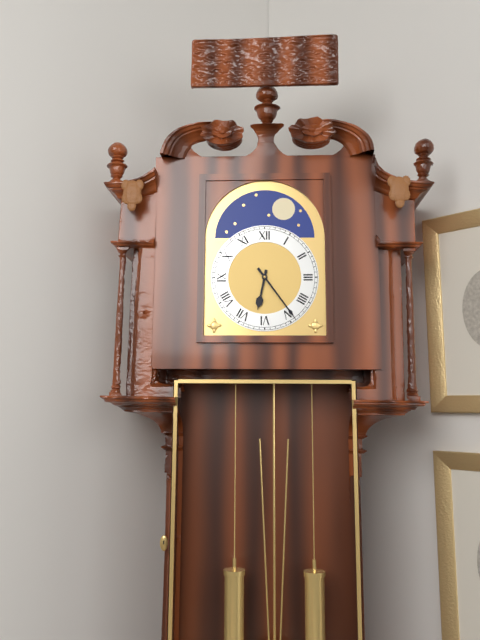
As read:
h=6 m=24
